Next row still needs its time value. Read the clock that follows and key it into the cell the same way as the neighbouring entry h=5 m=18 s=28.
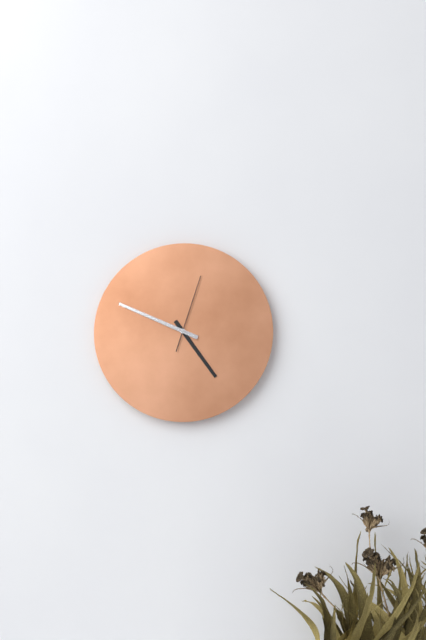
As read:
h=4 m=49 s=3
